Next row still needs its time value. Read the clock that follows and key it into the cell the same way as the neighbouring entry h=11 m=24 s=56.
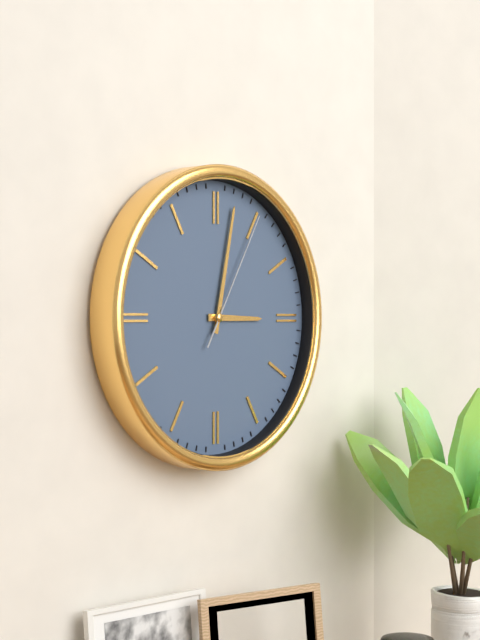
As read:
h=3 m=2 s=5
